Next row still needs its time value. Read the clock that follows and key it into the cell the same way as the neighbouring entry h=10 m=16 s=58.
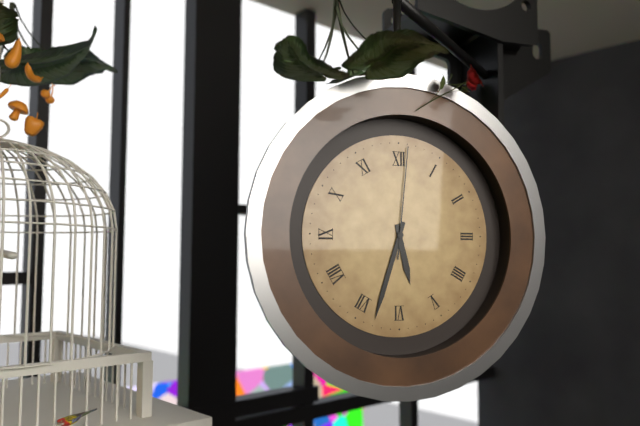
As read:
h=5 m=33 s=1
